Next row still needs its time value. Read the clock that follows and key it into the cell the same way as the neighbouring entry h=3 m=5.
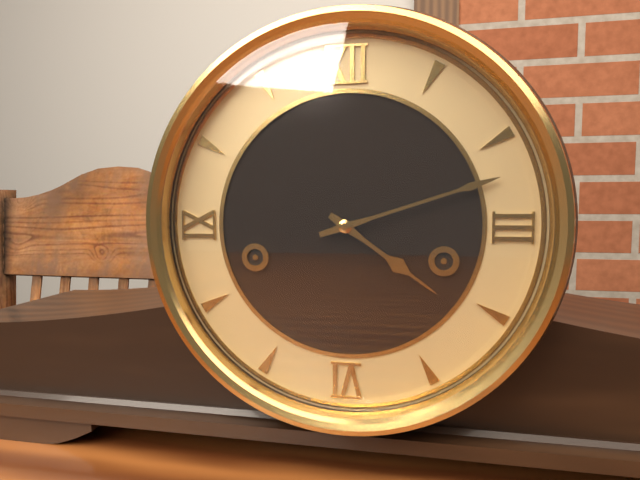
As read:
h=4 m=12
